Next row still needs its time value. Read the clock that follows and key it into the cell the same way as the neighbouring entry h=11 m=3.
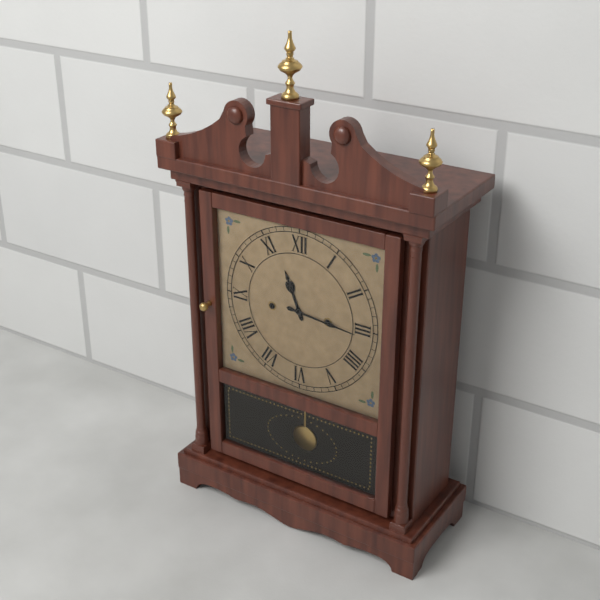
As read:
h=11 m=16
